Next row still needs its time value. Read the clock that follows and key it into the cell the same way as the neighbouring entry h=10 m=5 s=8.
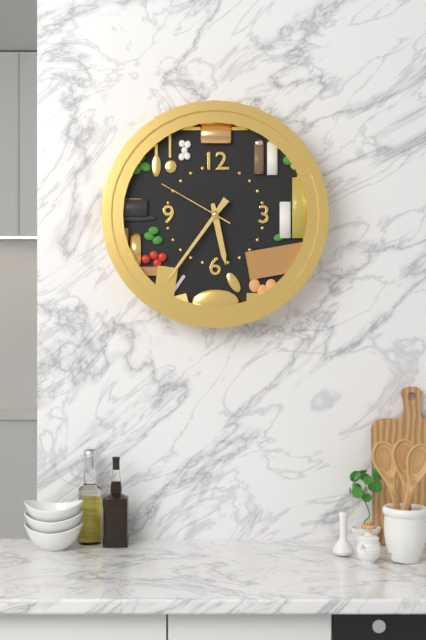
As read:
h=5 m=36 s=50
